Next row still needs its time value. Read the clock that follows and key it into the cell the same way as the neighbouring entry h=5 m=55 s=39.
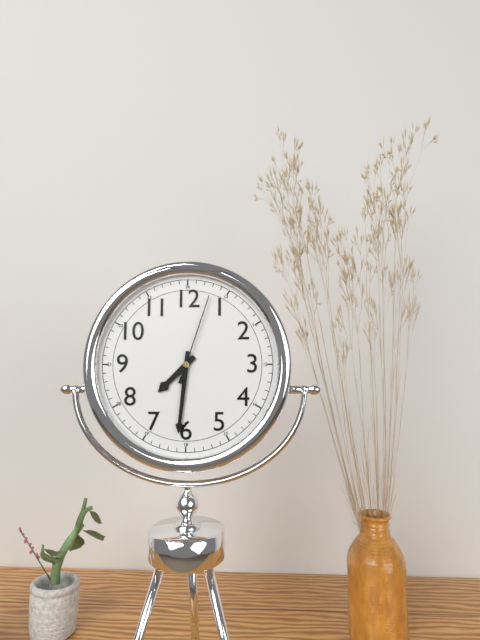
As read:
h=7 m=31 s=3
